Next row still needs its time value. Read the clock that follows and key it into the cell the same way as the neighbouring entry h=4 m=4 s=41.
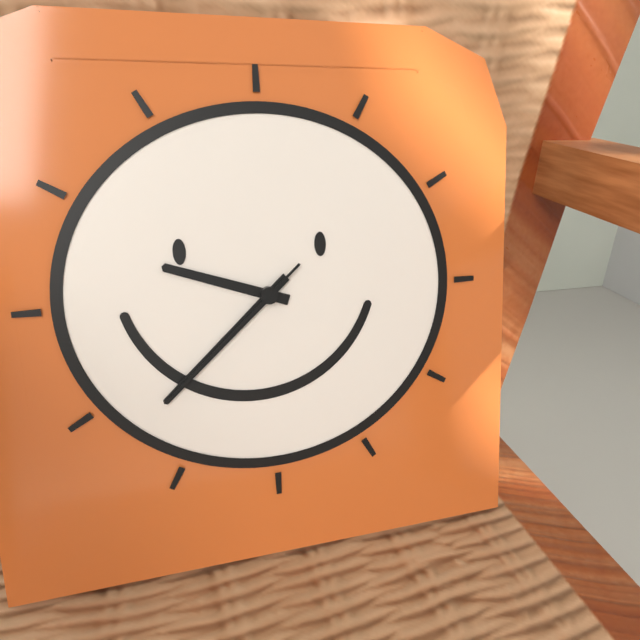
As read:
h=9 m=38 s=38
